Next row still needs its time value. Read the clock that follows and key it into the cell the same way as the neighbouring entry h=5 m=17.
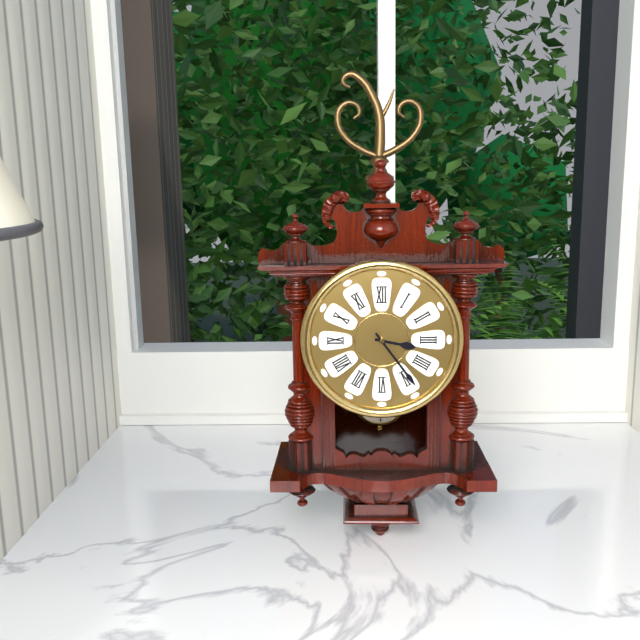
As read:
h=3 m=24
